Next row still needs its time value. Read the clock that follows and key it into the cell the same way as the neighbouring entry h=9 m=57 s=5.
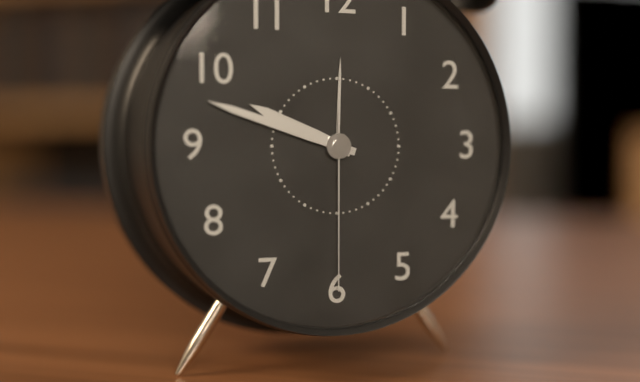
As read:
h=9 m=48 s=30
